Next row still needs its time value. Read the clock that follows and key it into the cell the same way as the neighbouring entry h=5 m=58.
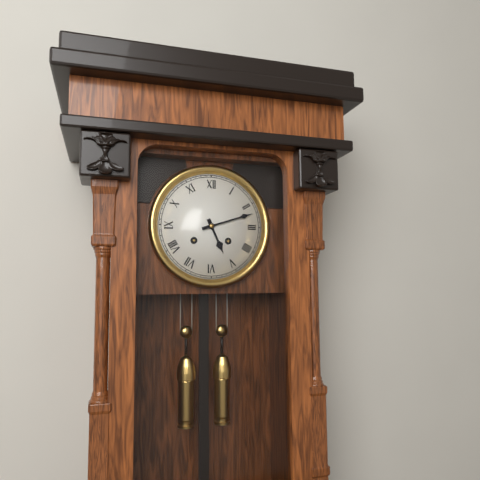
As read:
h=5 m=12
